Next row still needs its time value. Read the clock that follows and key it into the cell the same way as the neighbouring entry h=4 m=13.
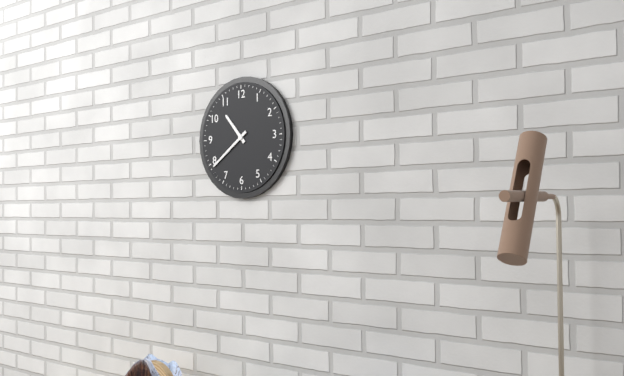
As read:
h=10 m=39
